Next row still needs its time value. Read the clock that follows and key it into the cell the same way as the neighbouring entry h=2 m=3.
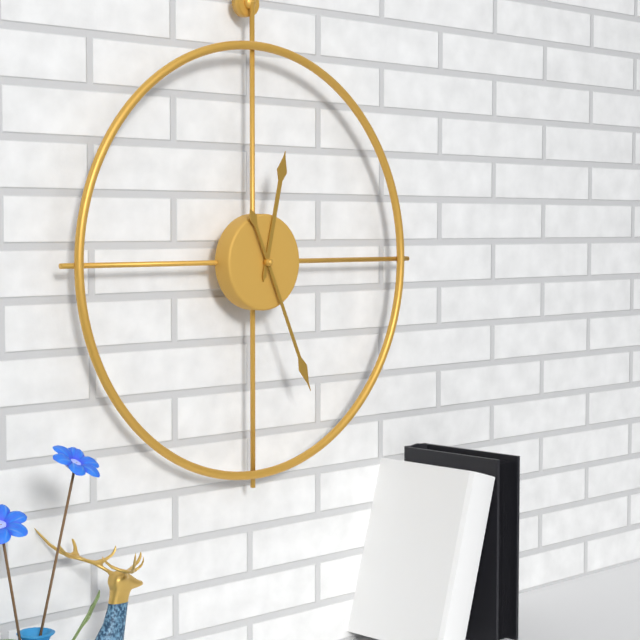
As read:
h=12 m=26
